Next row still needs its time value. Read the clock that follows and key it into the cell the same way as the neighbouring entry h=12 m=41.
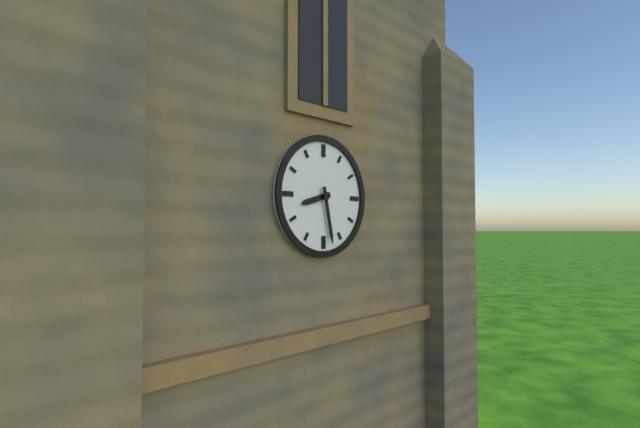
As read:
h=8 m=28
